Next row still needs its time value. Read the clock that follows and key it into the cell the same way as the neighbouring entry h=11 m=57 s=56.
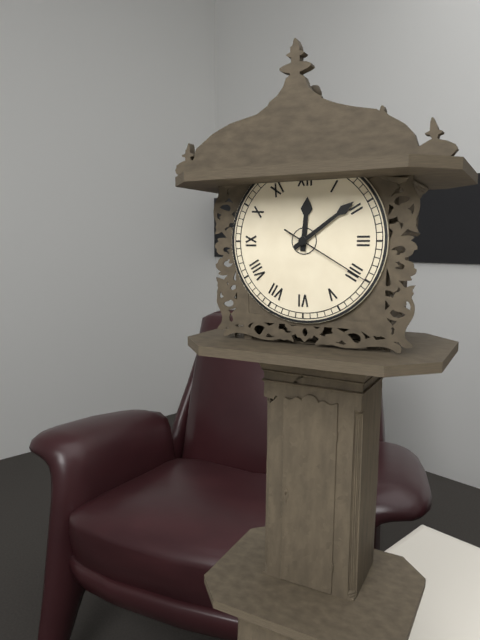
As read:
h=12 m=9 s=20
